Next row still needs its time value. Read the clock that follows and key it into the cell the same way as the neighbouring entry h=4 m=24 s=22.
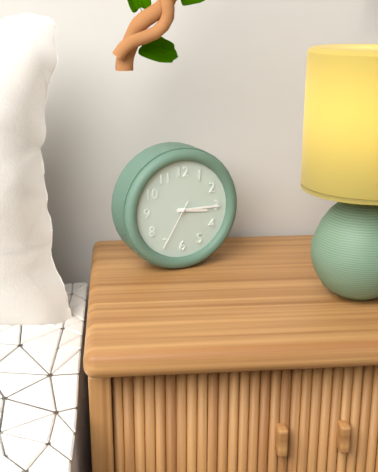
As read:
h=3 m=15 s=35
